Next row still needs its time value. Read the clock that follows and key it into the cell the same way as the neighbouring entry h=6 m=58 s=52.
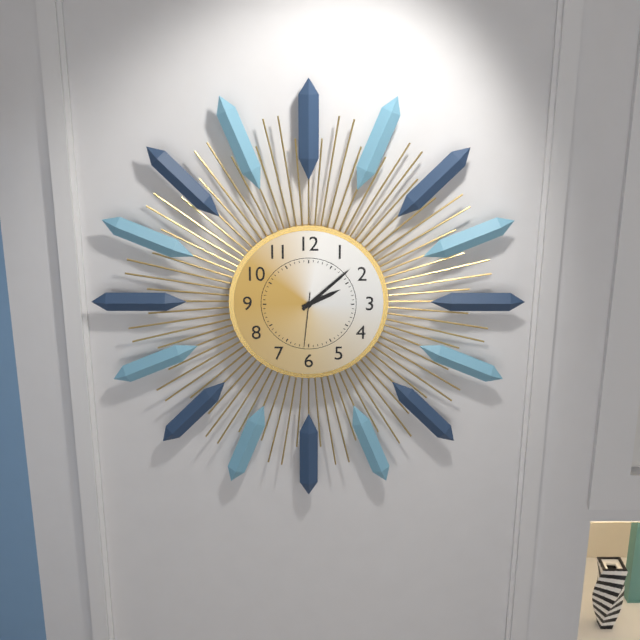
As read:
h=2 m=8 s=31
